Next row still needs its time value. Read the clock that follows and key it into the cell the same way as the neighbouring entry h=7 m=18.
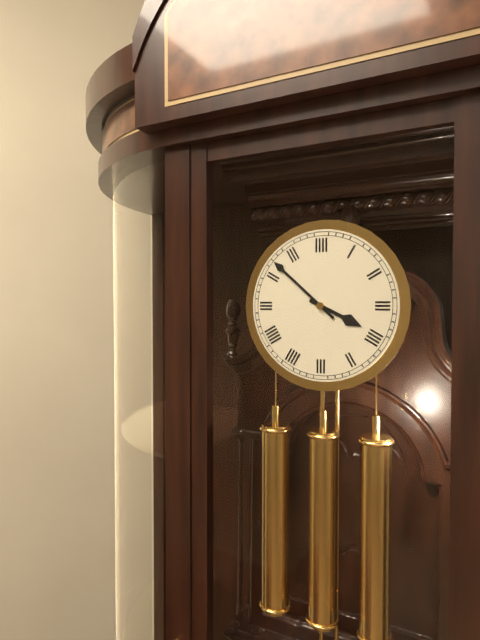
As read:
h=3 m=52
